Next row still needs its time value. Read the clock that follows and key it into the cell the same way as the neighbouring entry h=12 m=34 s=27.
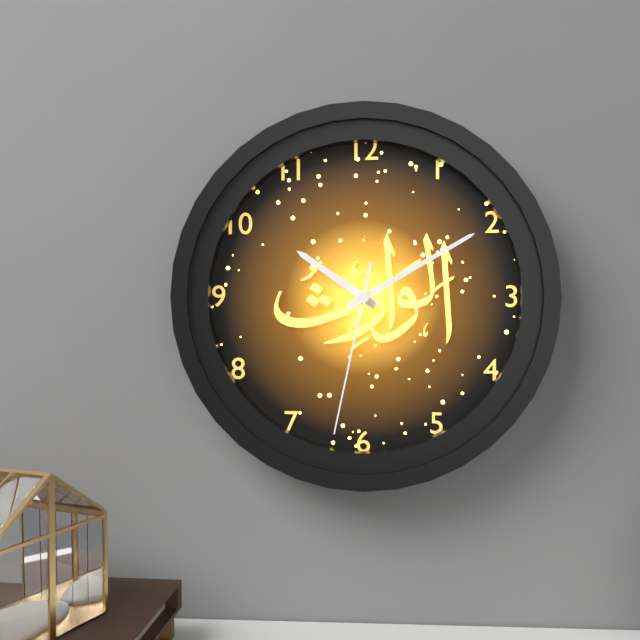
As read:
h=10 m=10 s=32
